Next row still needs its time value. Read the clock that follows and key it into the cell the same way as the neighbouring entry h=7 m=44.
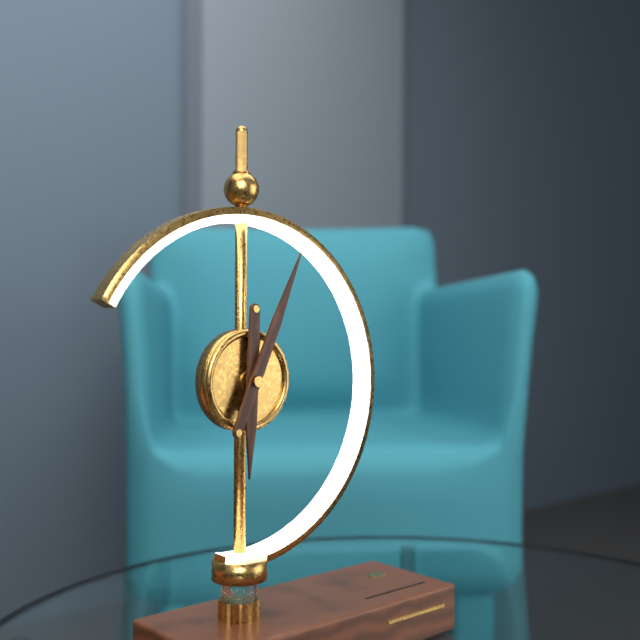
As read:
h=6 m=4
